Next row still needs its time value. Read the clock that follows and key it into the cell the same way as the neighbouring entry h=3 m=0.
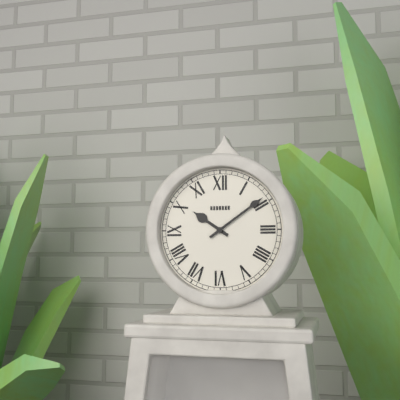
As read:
h=10 m=9
